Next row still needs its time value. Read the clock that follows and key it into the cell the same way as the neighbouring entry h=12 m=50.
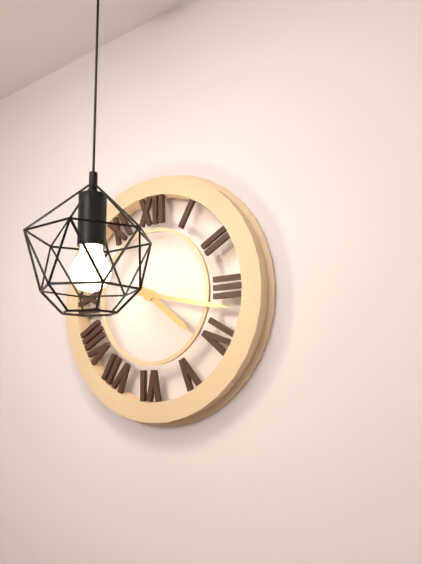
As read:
h=4 m=17
